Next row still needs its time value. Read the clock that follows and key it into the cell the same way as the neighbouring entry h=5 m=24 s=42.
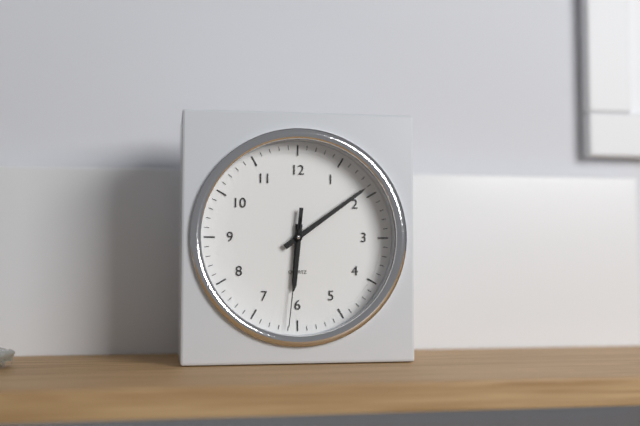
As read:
h=6 m=9 s=31
